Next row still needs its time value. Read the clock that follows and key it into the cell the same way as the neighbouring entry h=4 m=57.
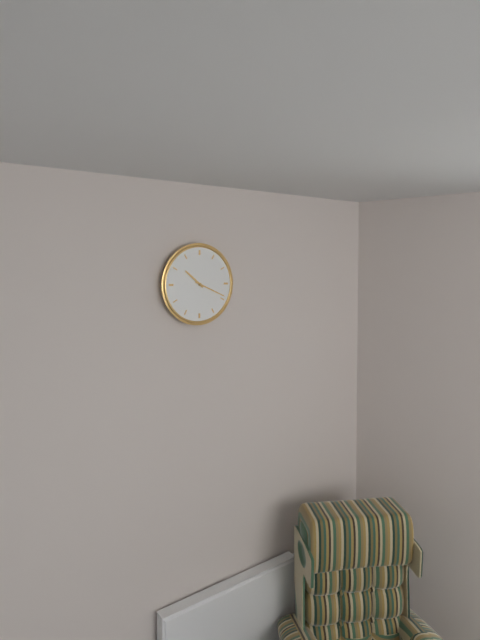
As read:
h=10 m=19
